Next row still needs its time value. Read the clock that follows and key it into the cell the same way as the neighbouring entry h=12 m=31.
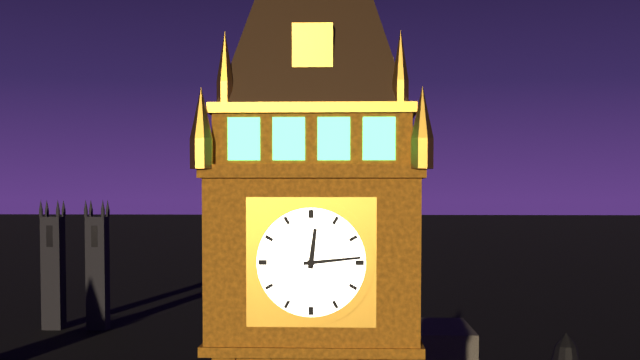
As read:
h=12 m=14
